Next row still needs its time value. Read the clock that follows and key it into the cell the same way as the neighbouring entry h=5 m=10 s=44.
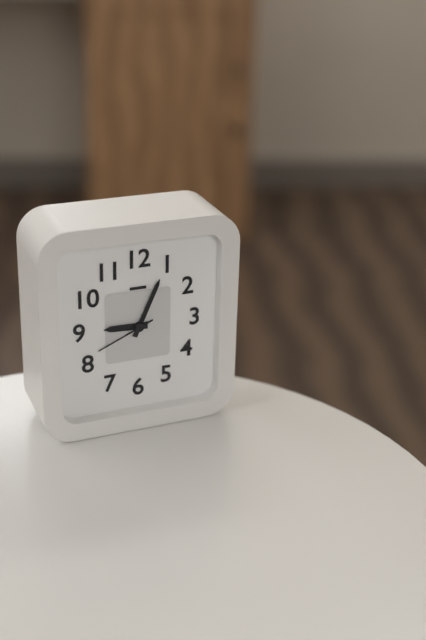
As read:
h=9 m=4 s=41
